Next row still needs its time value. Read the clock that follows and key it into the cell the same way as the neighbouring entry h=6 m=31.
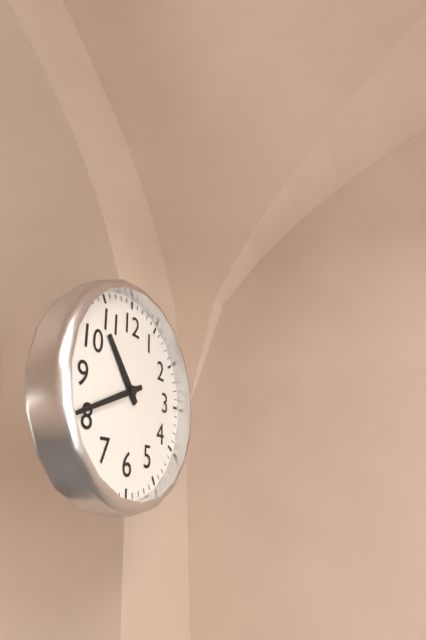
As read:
h=10 m=41
